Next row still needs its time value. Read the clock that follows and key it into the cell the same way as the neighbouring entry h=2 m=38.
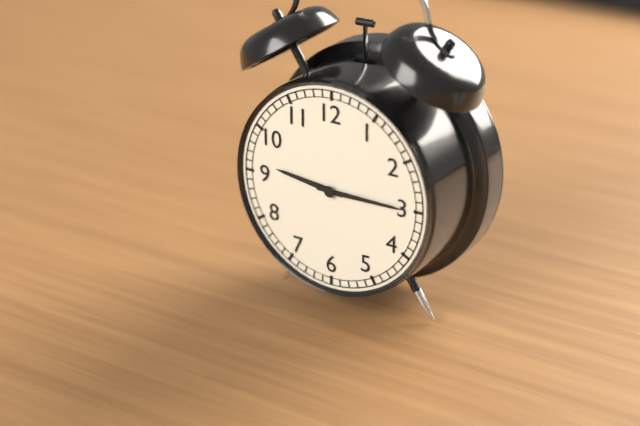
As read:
h=9 m=15
